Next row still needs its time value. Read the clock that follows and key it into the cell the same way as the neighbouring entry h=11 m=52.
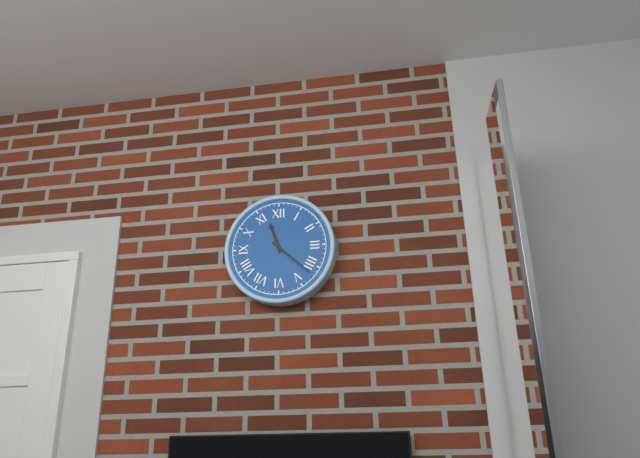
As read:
h=11 m=22
